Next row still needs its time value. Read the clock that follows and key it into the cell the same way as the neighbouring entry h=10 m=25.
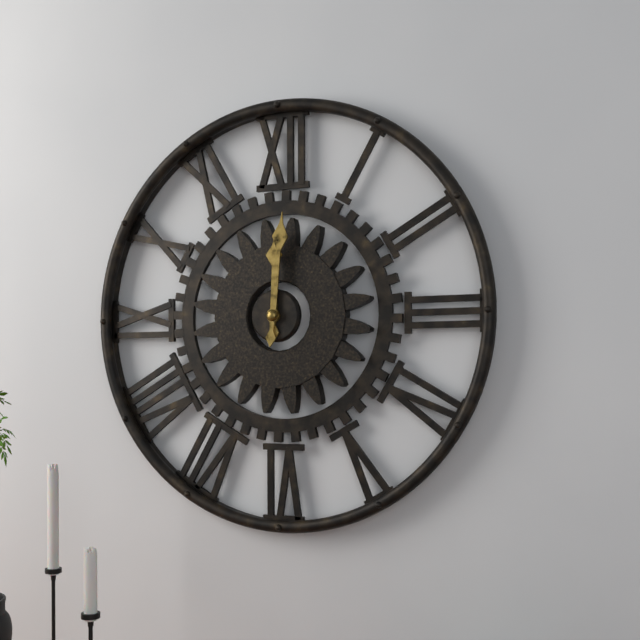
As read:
h=12 m=1
